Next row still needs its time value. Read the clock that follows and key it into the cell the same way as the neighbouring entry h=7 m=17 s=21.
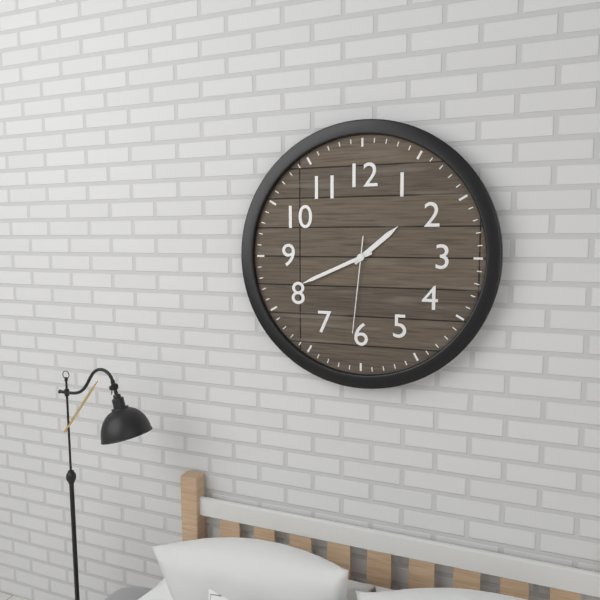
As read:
h=1 m=41 s=31
